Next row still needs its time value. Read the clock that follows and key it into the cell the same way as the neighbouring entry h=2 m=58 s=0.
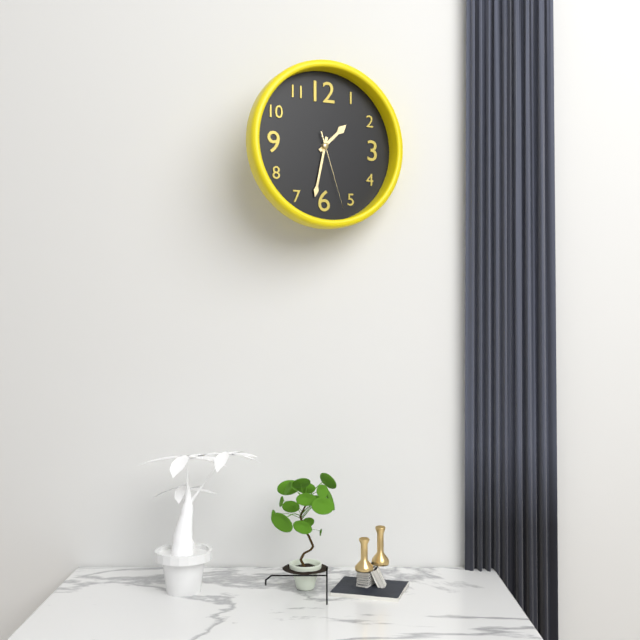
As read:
h=1 m=32 s=27
